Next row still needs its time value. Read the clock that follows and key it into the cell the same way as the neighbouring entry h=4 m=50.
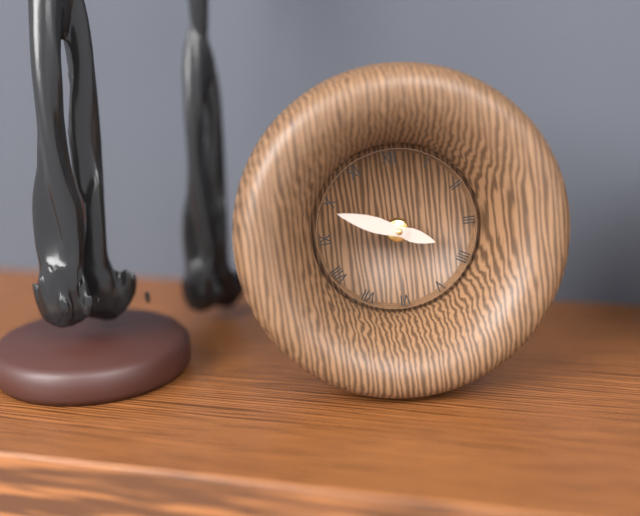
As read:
h=3 m=49
